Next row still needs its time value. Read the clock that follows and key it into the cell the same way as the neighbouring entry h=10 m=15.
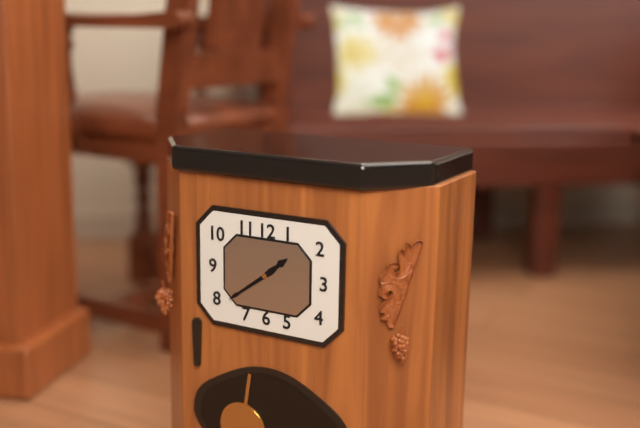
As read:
h=1 m=39
